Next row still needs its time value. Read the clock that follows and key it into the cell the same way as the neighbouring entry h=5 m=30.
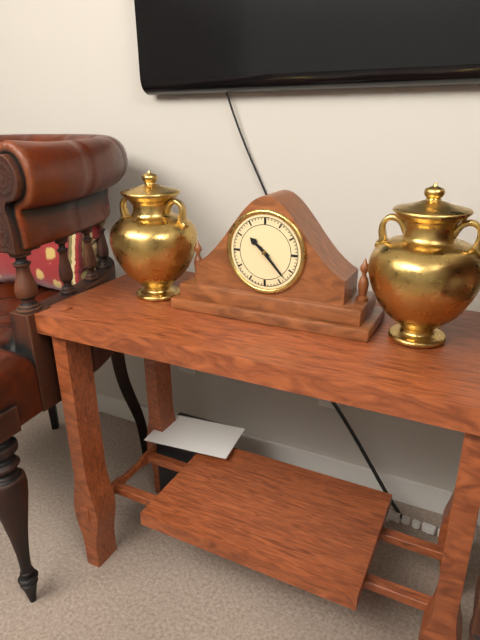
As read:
h=10 m=23
